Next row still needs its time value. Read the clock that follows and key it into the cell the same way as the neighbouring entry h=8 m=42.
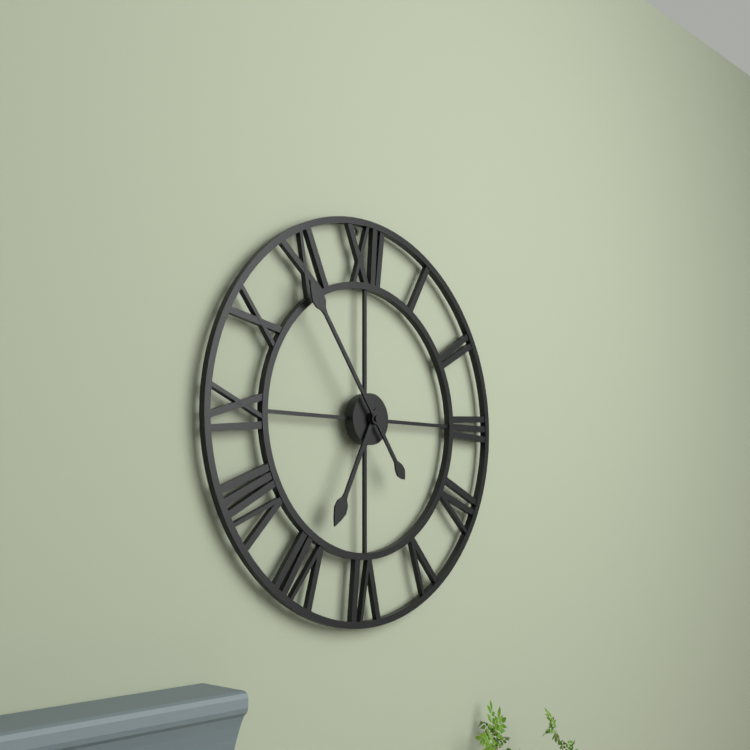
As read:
h=6 m=54
